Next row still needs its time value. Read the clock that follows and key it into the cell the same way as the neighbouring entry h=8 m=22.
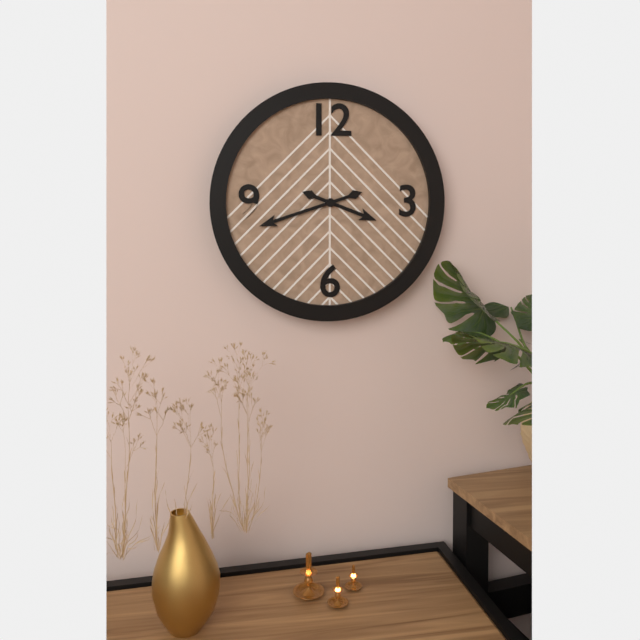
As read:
h=3 m=42
